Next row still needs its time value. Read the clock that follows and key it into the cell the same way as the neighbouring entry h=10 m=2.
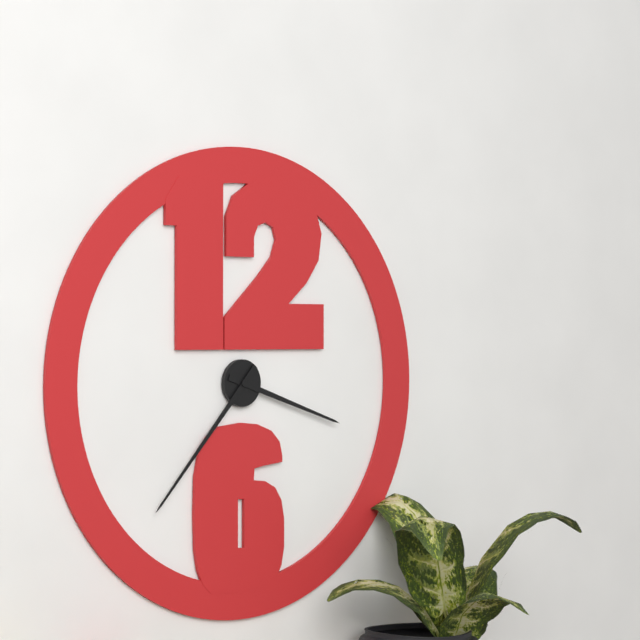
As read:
h=3 m=37
